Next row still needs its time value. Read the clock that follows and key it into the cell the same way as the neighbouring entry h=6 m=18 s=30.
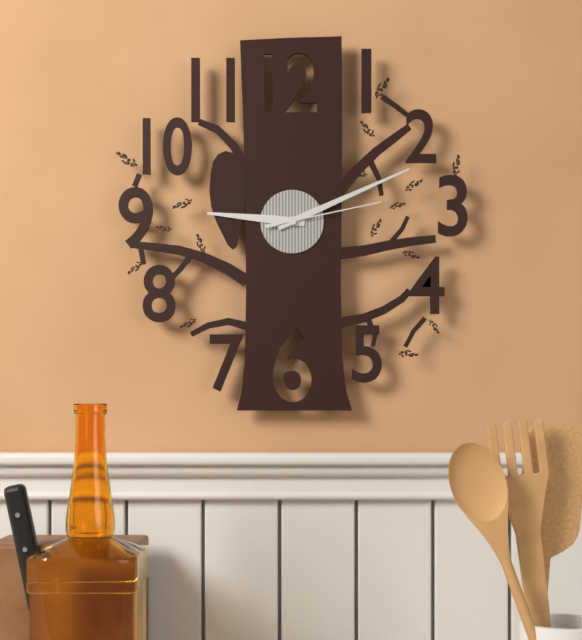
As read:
h=9 m=11 s=13
